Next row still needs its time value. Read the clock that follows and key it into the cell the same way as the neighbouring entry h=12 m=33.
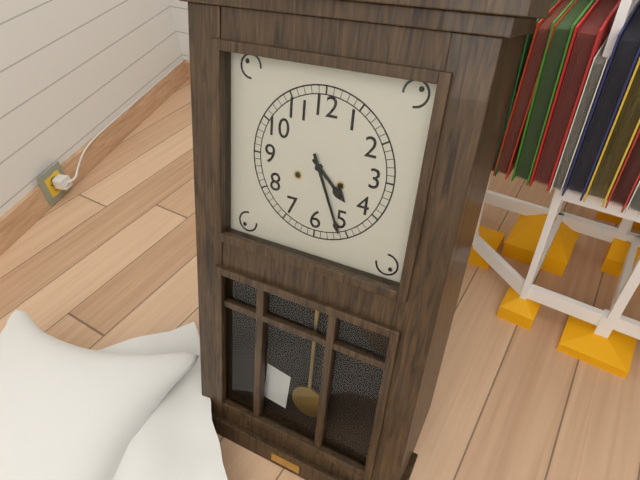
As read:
h=4 m=26
